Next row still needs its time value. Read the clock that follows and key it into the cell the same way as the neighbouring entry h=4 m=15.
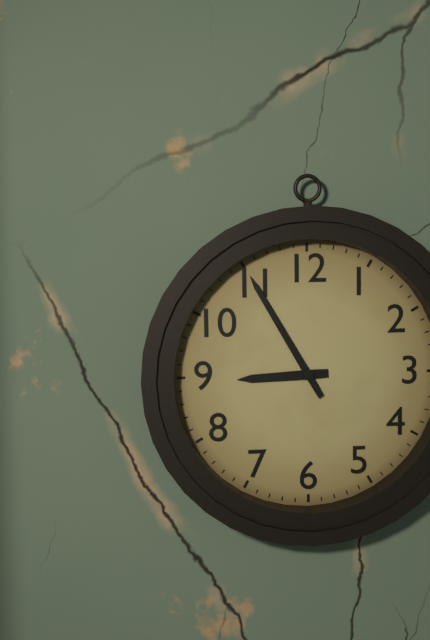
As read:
h=8 m=55
